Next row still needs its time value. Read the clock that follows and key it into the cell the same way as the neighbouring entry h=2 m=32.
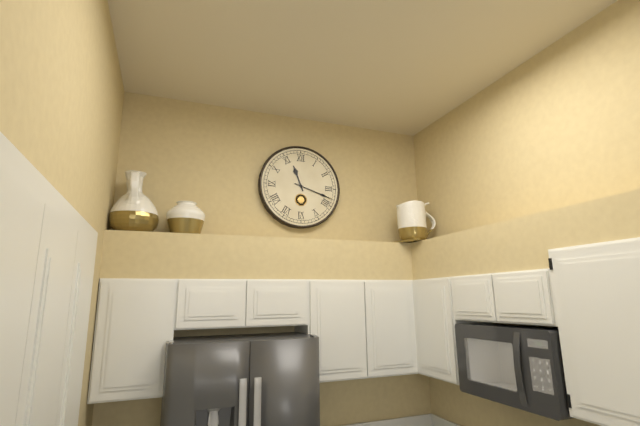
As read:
h=11 m=18
